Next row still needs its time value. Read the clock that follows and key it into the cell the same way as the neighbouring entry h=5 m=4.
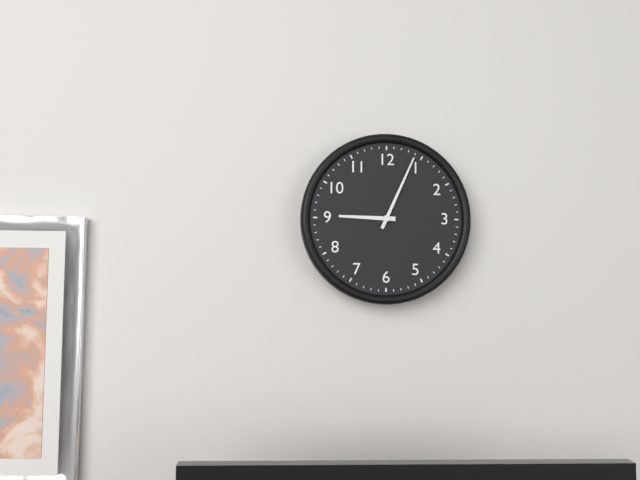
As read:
h=9 m=4
